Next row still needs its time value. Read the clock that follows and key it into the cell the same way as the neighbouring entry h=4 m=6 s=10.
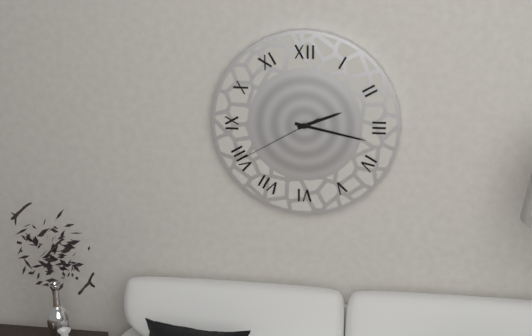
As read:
h=2 m=17 s=40
